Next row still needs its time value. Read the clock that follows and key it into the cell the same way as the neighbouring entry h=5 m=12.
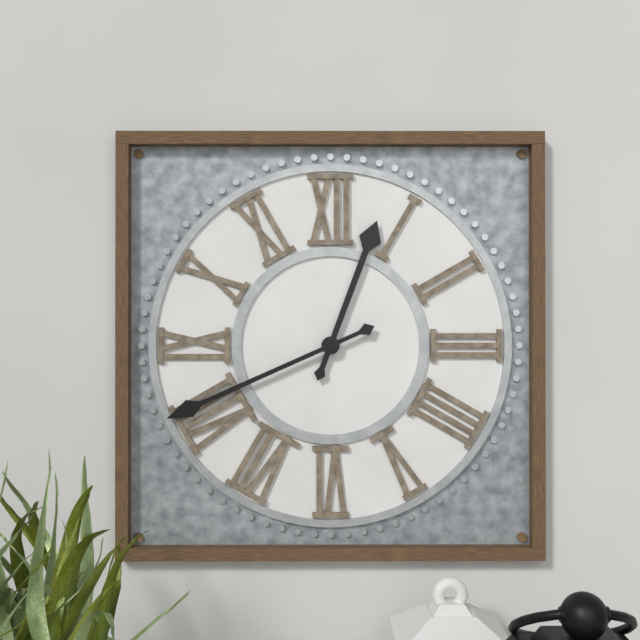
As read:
h=12 m=41
